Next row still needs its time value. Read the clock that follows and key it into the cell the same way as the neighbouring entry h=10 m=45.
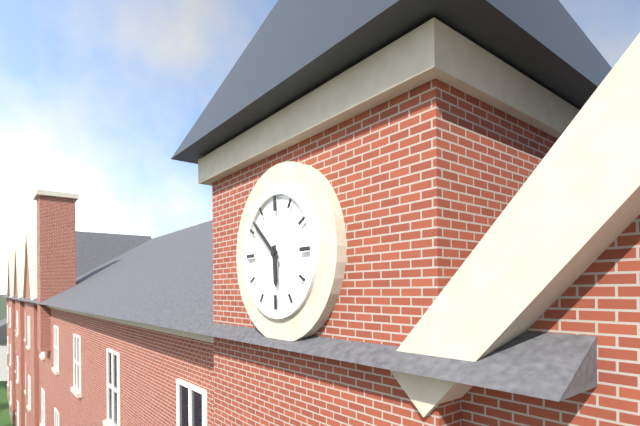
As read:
h=5 m=52
